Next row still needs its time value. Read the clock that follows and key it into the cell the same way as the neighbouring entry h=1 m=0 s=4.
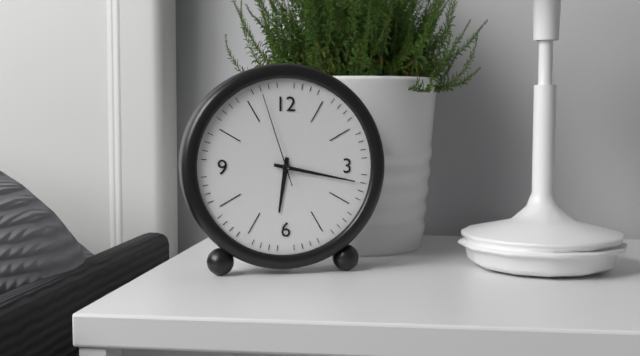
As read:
h=6 m=17 s=57
